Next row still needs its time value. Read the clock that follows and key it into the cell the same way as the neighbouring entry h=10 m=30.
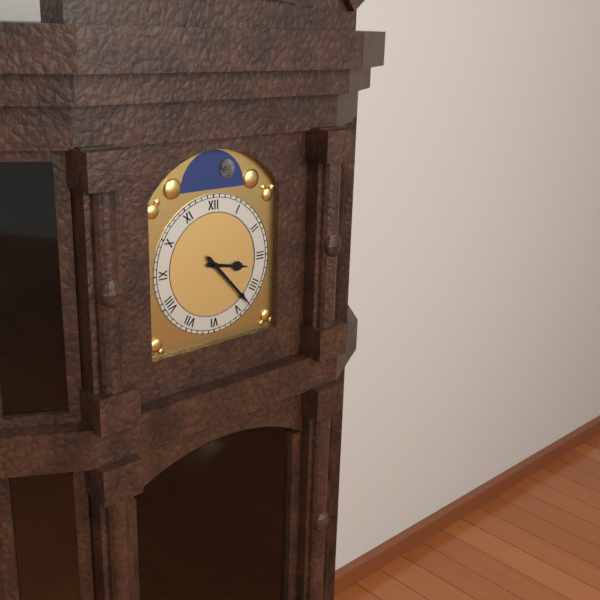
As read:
h=3 m=23
